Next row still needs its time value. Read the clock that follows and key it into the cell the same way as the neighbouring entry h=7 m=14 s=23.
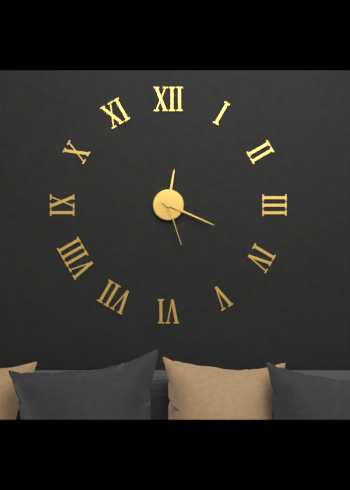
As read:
h=12 m=19 s=27
